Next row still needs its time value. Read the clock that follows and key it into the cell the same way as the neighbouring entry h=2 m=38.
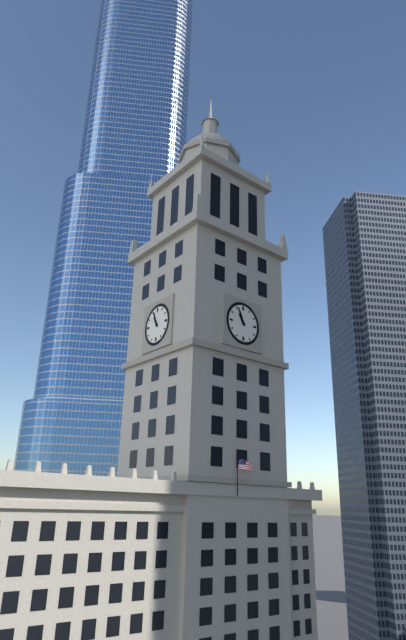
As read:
h=10 m=56
